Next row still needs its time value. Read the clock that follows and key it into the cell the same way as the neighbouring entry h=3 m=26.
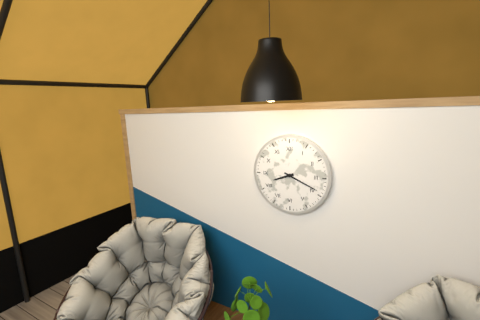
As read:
h=8 m=19
